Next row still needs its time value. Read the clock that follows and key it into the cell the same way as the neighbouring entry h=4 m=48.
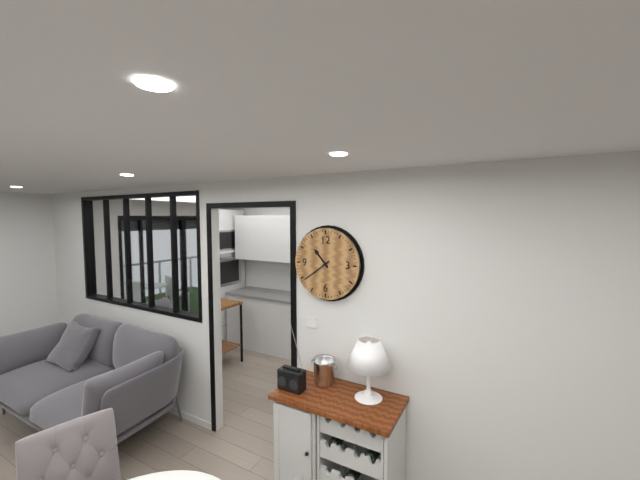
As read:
h=10 m=39
